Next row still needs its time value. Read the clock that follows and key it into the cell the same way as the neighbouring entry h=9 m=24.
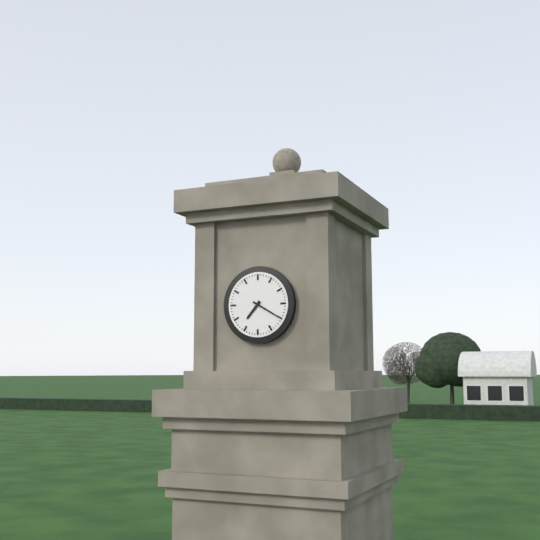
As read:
h=7 m=20
